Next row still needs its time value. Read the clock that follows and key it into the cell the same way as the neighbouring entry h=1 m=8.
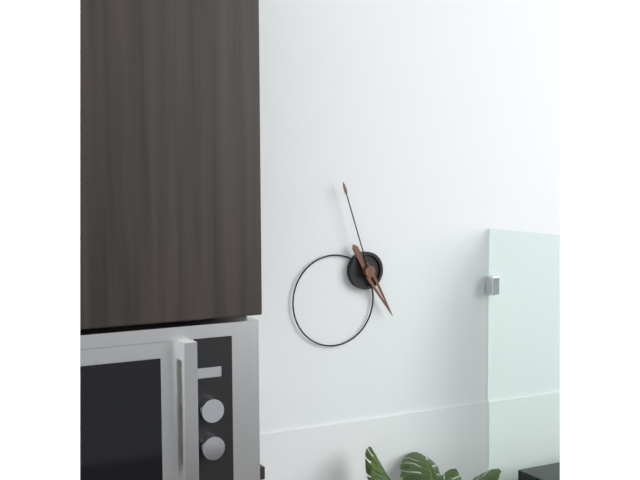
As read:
h=4 m=57
